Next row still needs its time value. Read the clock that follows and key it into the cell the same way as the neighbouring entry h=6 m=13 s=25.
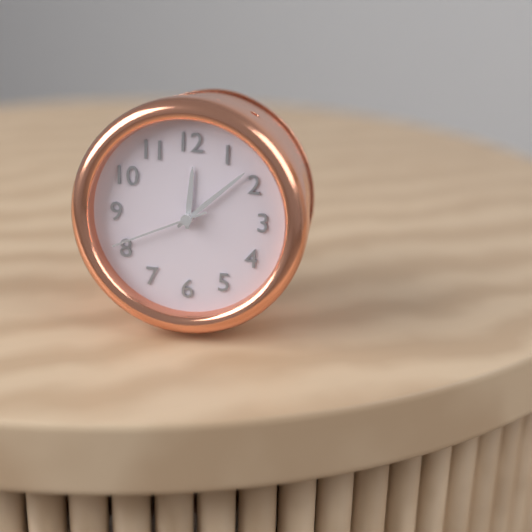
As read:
h=12 m=8 s=41
